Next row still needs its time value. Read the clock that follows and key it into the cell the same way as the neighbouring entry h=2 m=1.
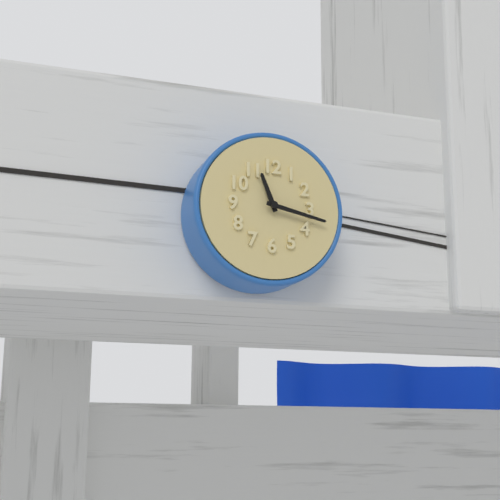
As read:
h=11 m=17
